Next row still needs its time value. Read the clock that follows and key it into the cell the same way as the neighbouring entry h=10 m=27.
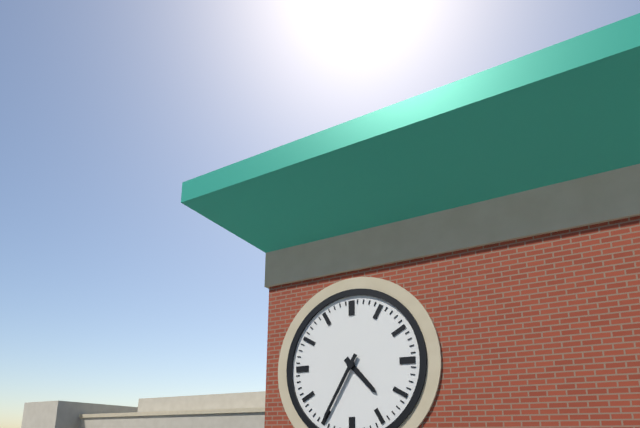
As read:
h=4 m=35
